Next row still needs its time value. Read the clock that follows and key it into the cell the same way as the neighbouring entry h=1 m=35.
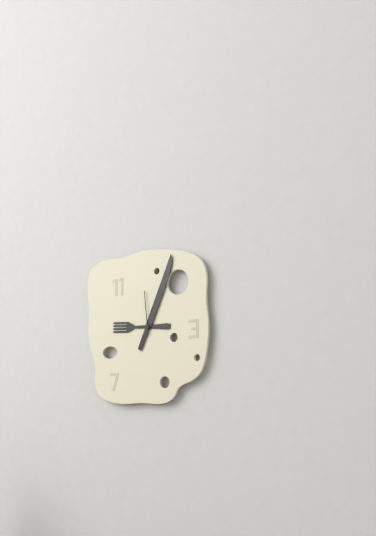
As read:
h=9 m=4
